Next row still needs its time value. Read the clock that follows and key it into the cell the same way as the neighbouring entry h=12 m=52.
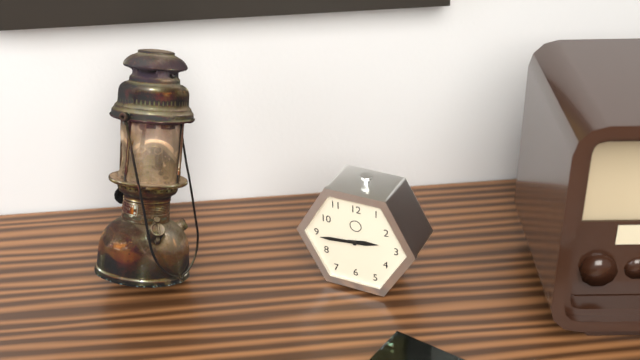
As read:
h=2 m=44
